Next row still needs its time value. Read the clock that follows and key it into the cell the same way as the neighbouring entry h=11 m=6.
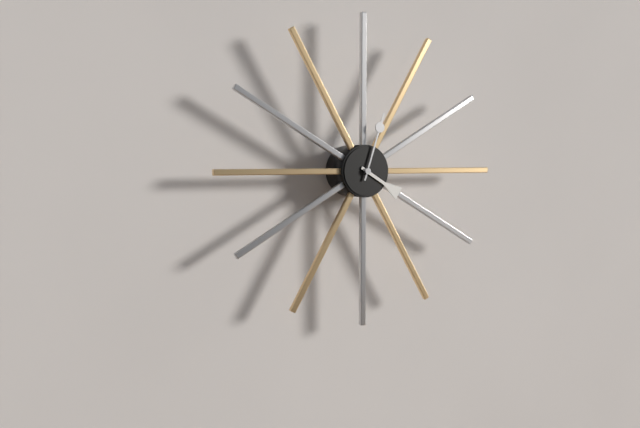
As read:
h=4 m=3
